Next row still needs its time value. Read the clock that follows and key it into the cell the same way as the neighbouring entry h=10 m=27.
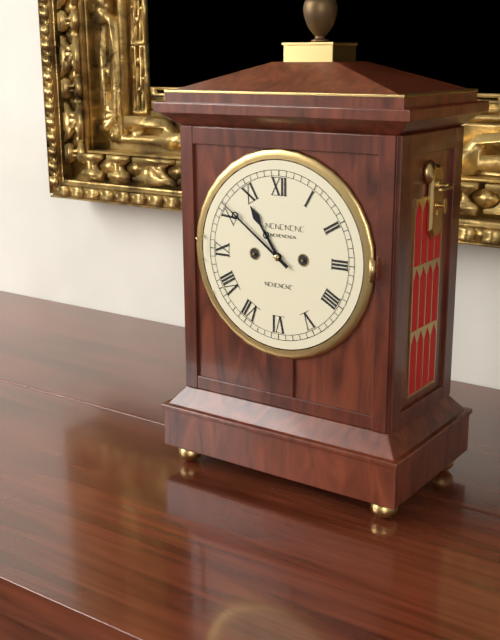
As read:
h=10 m=51
